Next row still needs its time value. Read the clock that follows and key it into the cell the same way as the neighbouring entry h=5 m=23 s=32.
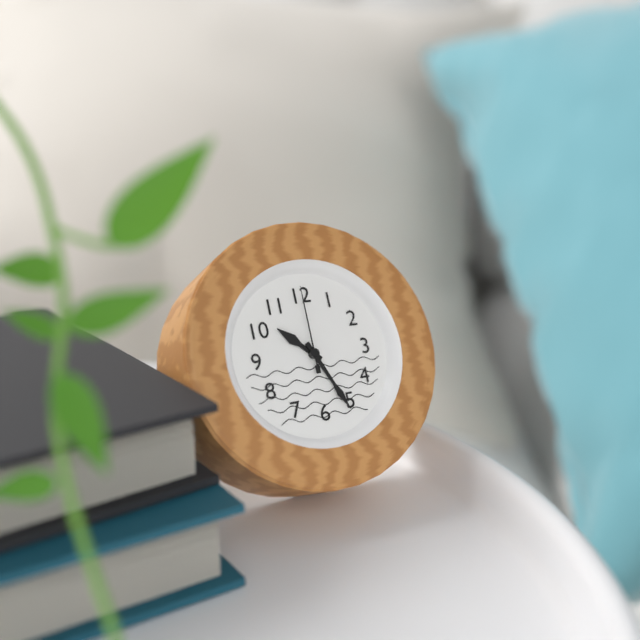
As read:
h=10 m=26 s=0
